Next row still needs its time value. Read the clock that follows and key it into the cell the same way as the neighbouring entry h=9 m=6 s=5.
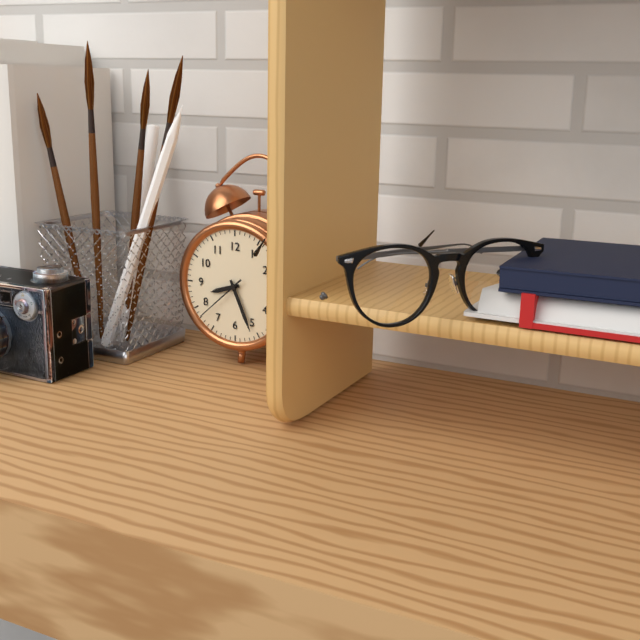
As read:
h=8 m=26 s=38
